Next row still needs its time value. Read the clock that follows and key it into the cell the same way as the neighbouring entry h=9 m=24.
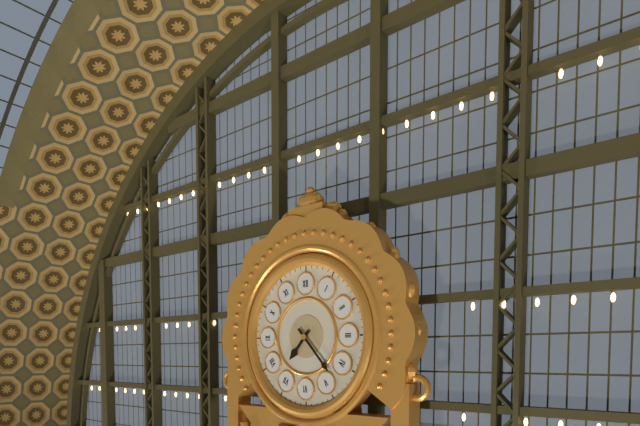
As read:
h=7 m=23
